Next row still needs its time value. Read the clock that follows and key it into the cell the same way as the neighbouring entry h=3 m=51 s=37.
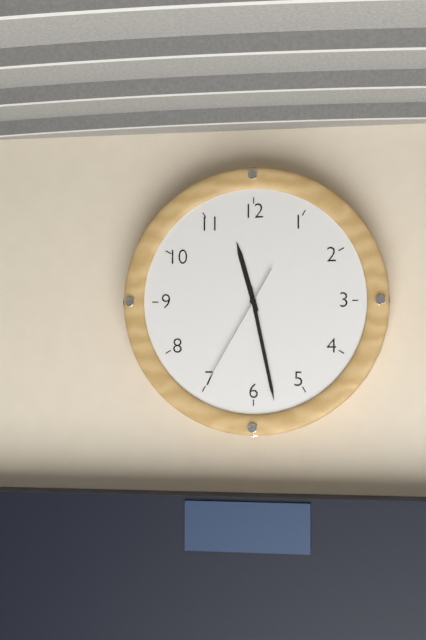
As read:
h=11 m=28 s=35
